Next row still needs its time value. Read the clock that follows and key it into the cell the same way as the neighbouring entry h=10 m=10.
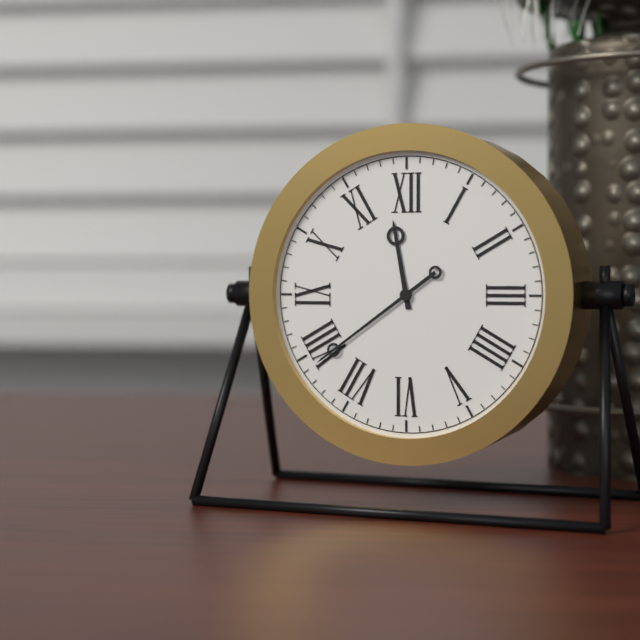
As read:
h=11 m=39
